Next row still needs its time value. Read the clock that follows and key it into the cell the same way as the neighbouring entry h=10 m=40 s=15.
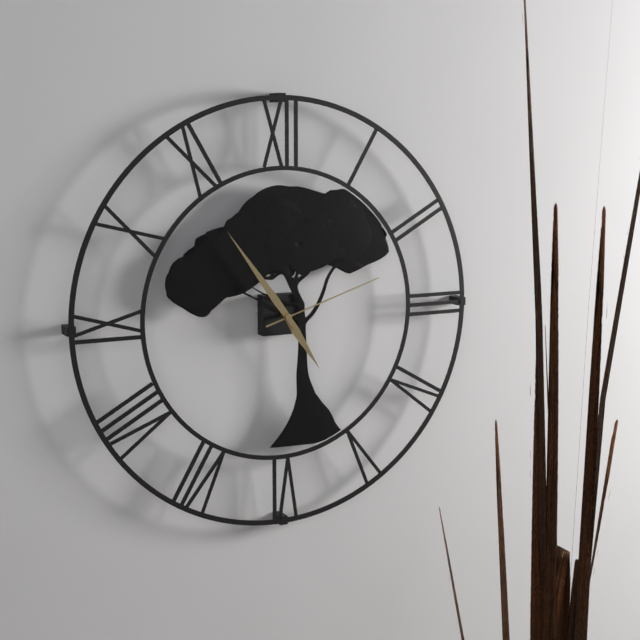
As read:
h=4 m=54 s=12
